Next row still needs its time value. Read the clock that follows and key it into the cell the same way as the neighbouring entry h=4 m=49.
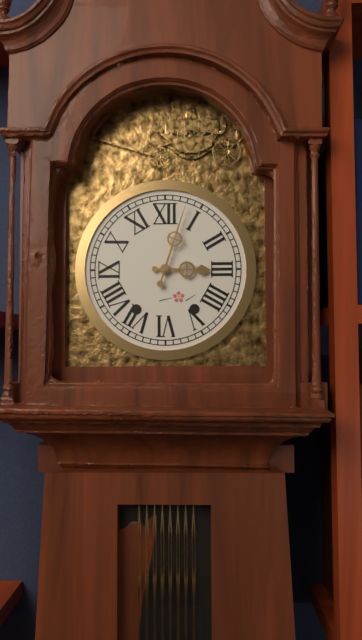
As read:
h=3 m=3
